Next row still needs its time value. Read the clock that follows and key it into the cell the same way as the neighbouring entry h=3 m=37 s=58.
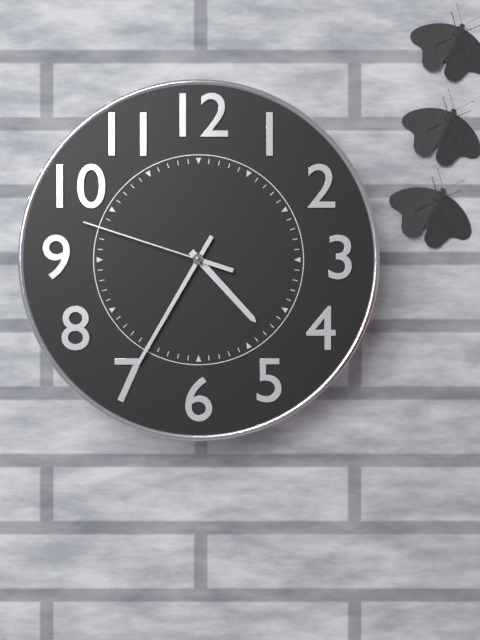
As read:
h=4 m=35 s=48
